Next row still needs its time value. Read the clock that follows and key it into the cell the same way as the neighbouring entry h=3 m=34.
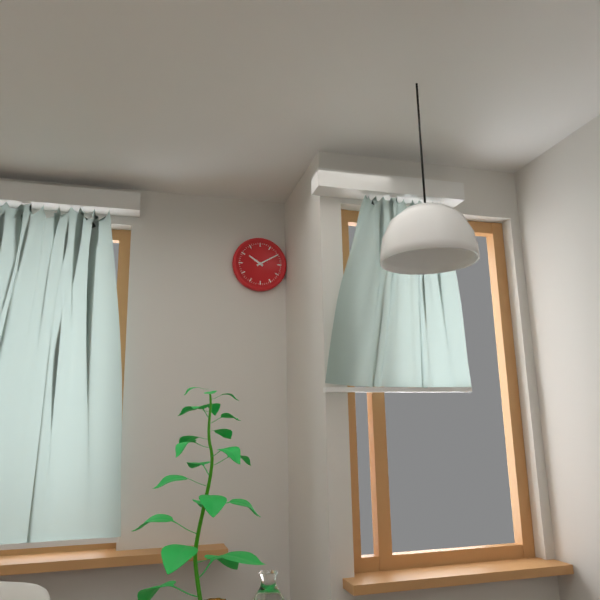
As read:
h=10 m=10
